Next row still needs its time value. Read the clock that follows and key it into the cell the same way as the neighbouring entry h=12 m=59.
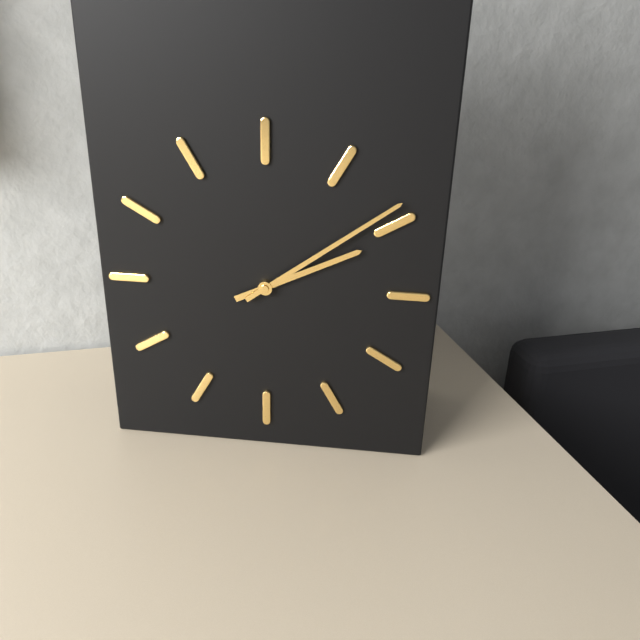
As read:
h=2 m=9
